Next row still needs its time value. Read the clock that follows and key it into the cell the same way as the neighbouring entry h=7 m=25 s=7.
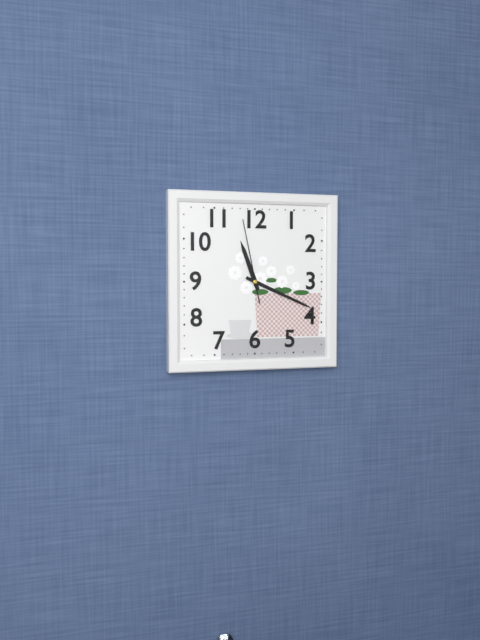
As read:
h=11 m=19 s=58
